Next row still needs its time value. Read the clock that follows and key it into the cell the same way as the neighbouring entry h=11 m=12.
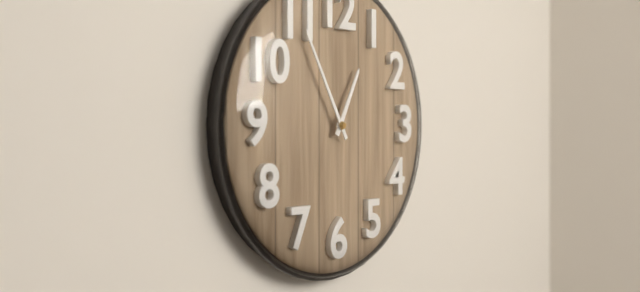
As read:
h=12 m=55
